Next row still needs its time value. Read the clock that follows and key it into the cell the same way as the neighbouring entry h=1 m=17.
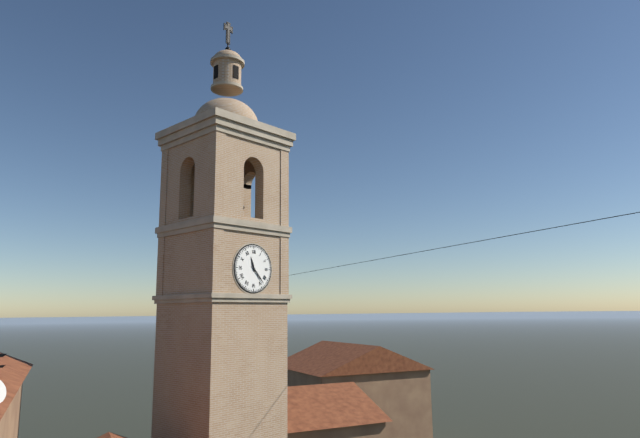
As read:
h=11 m=23
